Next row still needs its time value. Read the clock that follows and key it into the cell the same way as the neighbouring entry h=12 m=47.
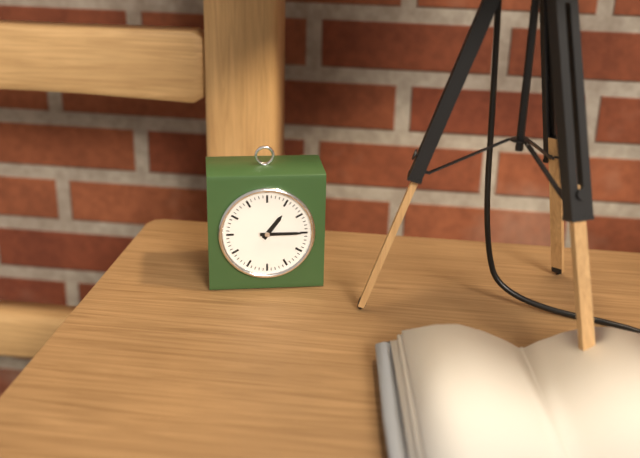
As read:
h=1 m=15
